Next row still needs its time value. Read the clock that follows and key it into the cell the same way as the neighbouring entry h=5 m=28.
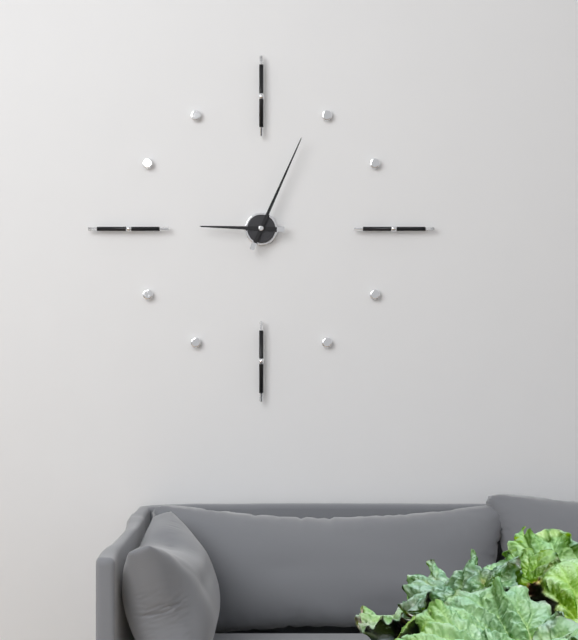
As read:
h=9 m=4
